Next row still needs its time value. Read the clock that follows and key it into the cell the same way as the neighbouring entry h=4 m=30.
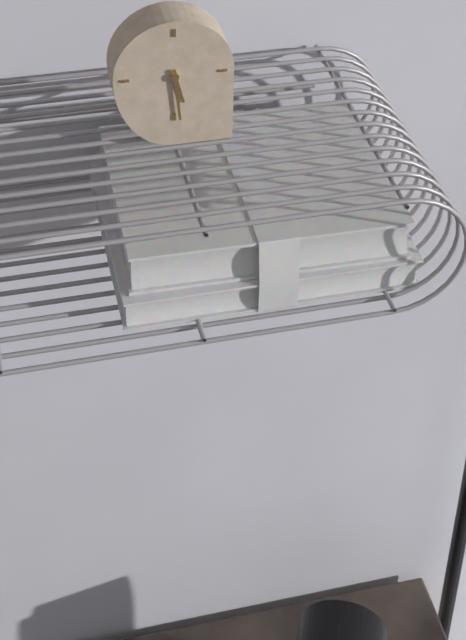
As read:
h=5 m=29
